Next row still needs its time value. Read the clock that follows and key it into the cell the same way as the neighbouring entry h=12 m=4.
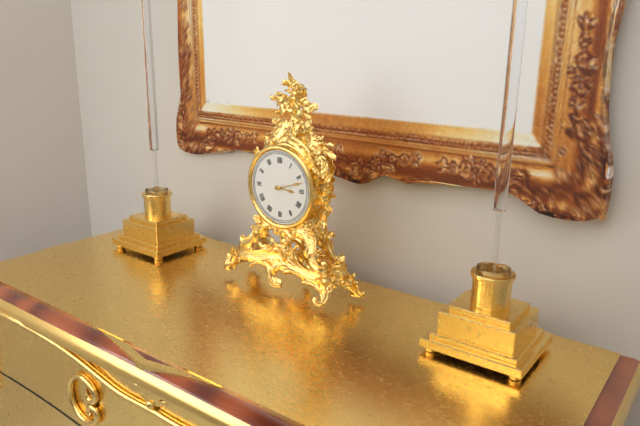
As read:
h=3 m=12
